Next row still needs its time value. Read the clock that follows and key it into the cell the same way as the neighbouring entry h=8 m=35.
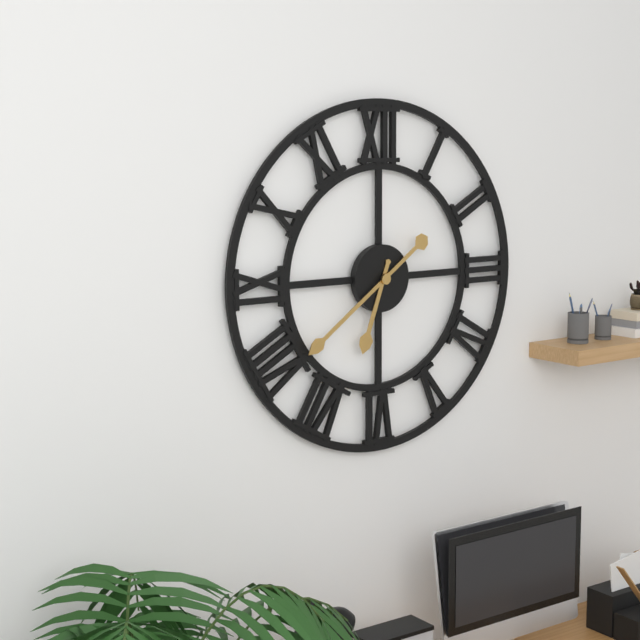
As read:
h=6 m=39
